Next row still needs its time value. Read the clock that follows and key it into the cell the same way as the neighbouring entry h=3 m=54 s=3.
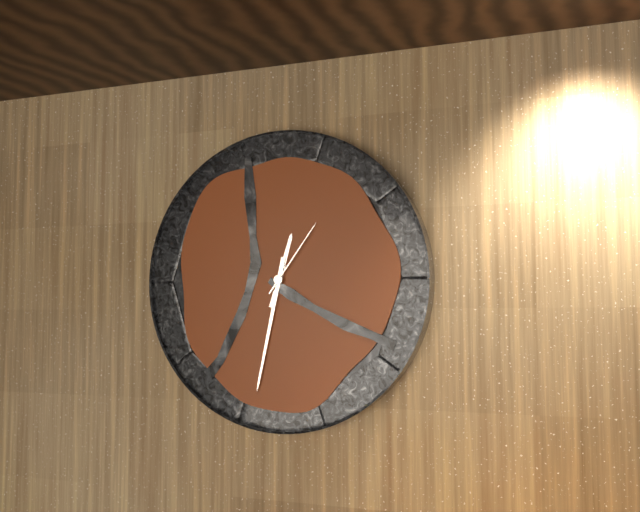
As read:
h=12 m=32 s=6
